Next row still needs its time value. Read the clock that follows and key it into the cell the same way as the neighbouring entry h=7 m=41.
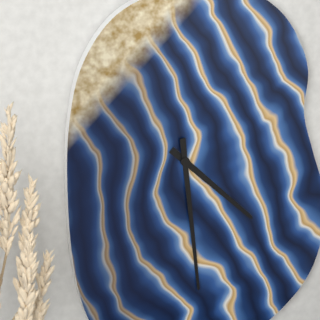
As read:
h=4 m=29
